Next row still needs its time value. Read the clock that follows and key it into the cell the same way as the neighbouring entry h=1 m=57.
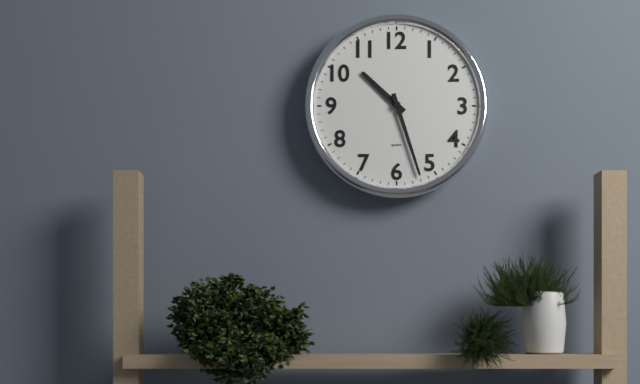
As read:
h=10 m=27
